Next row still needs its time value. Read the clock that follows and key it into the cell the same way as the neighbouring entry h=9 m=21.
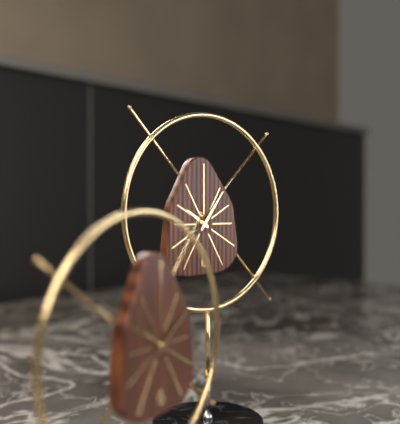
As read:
h=10 m=6
